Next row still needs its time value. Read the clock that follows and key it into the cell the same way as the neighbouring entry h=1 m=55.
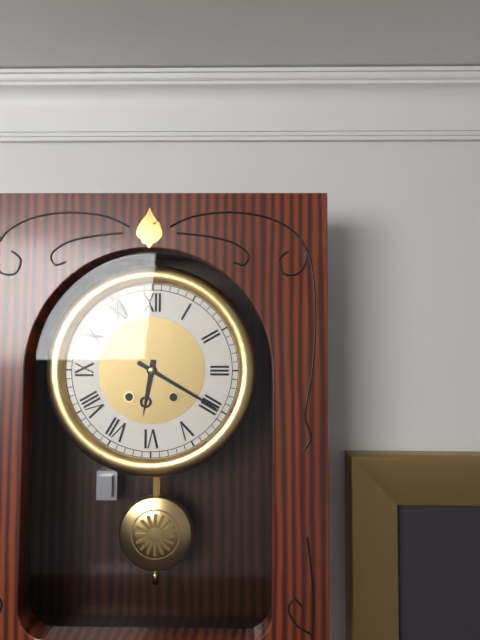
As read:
h=6 m=20
